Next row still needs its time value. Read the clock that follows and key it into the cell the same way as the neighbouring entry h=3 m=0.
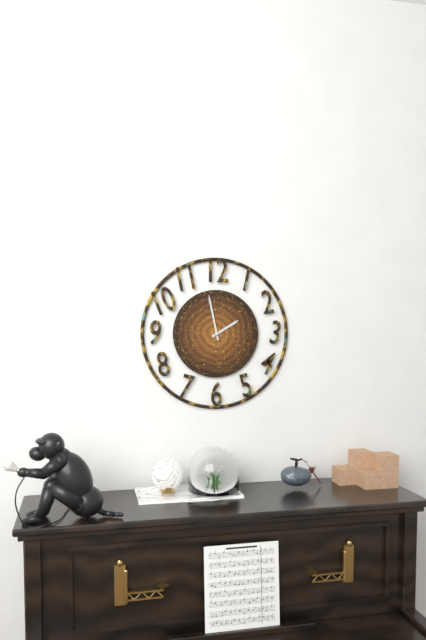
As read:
h=1 m=58
